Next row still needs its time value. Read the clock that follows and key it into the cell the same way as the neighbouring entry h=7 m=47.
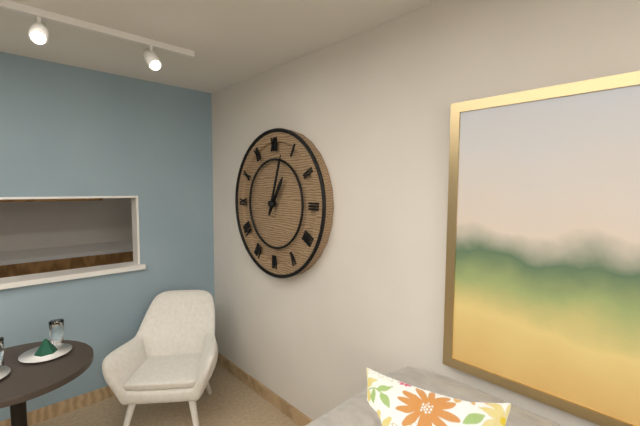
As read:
h=1 m=3
